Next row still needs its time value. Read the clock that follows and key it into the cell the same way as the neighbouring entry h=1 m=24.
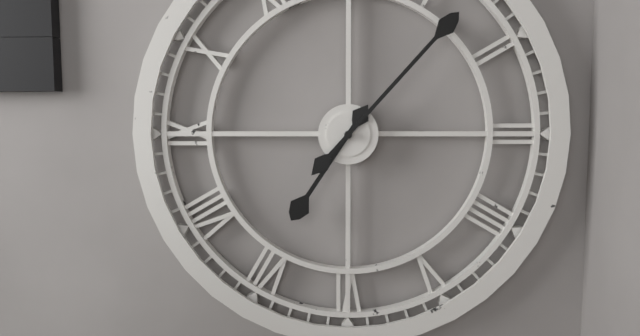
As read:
h=7 m=7
